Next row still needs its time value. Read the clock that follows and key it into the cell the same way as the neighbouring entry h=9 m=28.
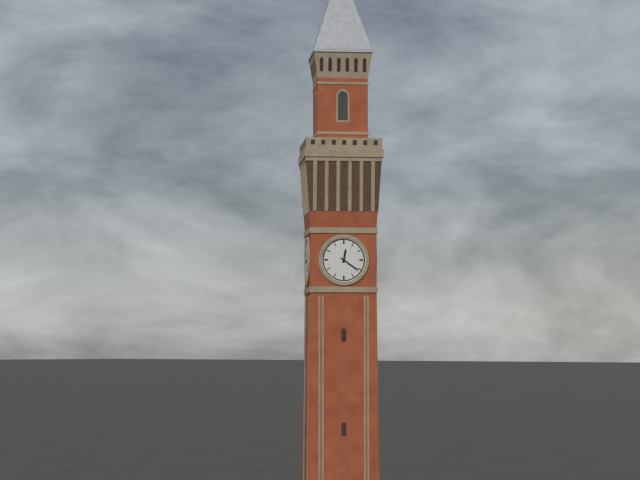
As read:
h=12 m=21
